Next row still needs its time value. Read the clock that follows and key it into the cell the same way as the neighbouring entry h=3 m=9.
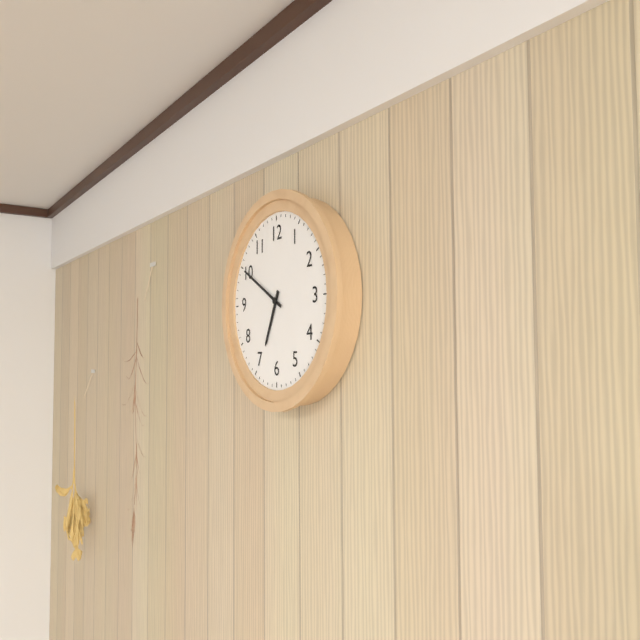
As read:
h=6 m=50
